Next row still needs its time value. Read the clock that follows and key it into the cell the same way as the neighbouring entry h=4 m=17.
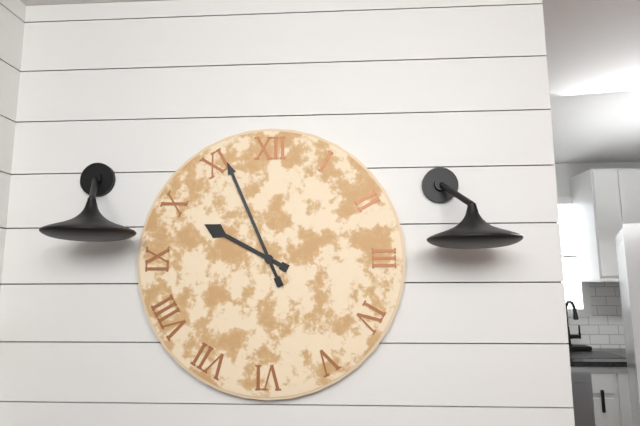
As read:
h=9 m=56
